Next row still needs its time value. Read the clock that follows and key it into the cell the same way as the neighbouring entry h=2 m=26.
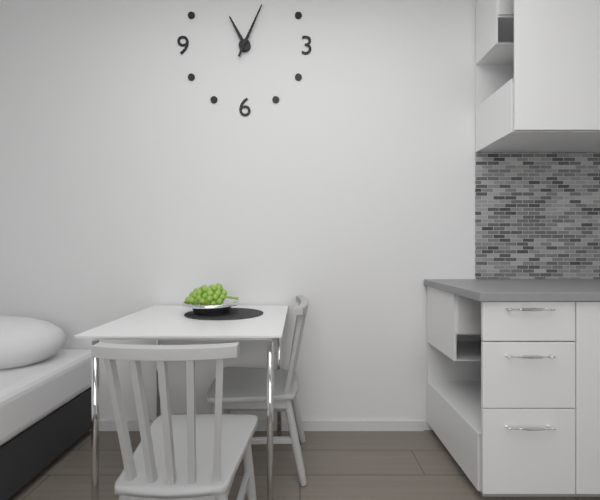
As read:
h=11 m=4
